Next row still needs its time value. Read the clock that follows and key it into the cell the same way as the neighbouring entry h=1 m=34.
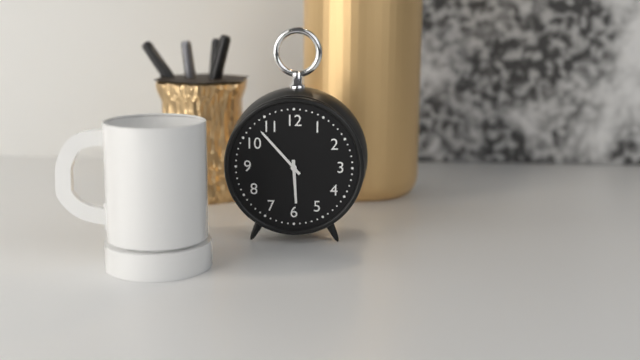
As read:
h=5 m=53
